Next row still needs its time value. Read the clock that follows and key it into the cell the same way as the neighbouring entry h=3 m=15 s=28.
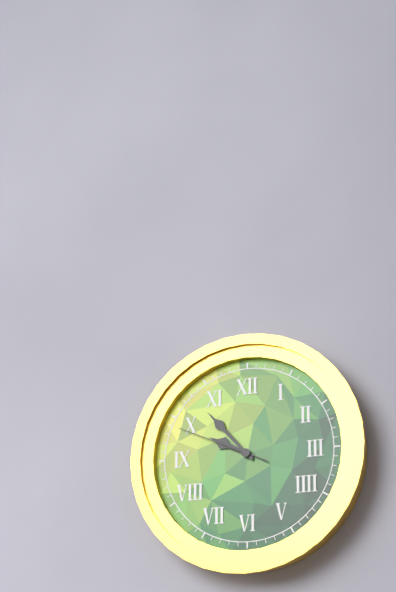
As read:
h=9 m=53 s=49
